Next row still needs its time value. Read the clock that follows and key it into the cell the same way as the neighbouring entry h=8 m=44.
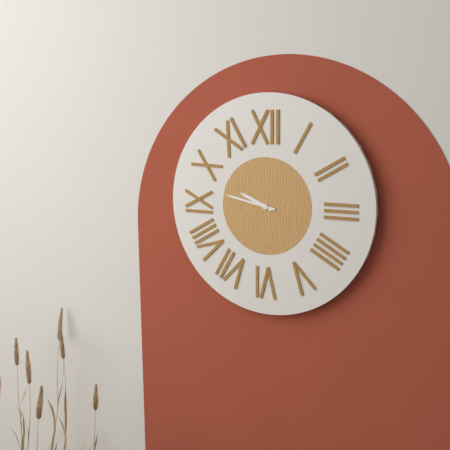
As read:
h=9 m=47
